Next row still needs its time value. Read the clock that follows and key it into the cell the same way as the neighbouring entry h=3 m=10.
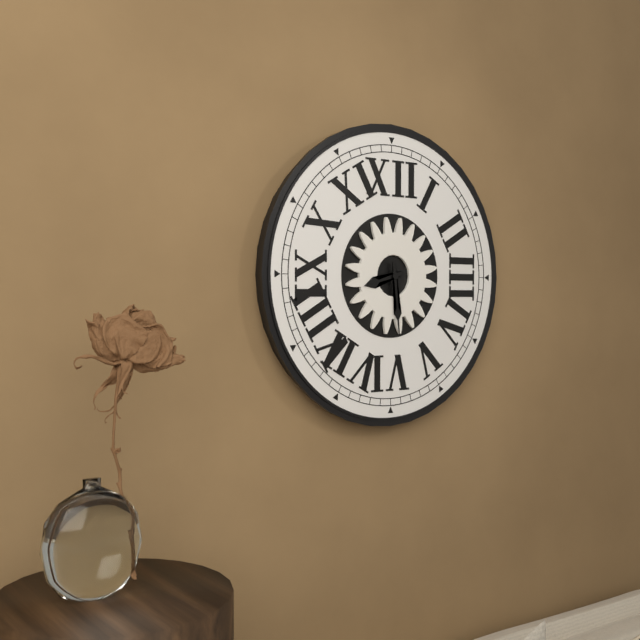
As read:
h=8 m=29
